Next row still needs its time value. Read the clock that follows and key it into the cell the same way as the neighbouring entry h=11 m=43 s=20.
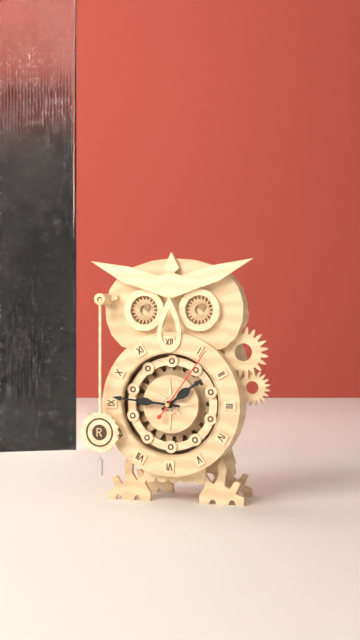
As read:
h=1 m=46 s=6
